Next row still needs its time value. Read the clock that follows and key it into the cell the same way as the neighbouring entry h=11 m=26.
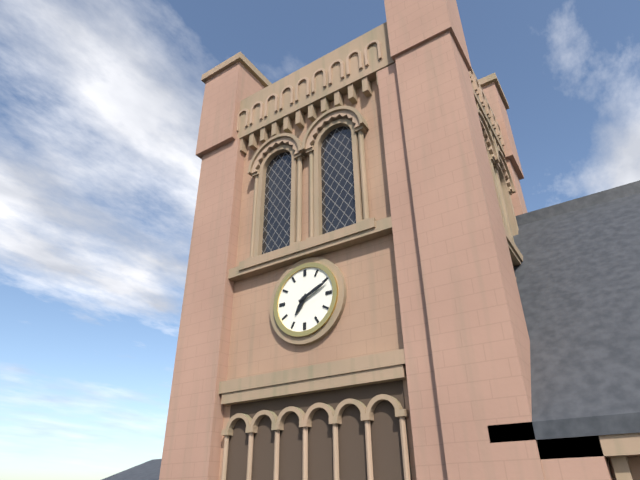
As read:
h=7 m=11
